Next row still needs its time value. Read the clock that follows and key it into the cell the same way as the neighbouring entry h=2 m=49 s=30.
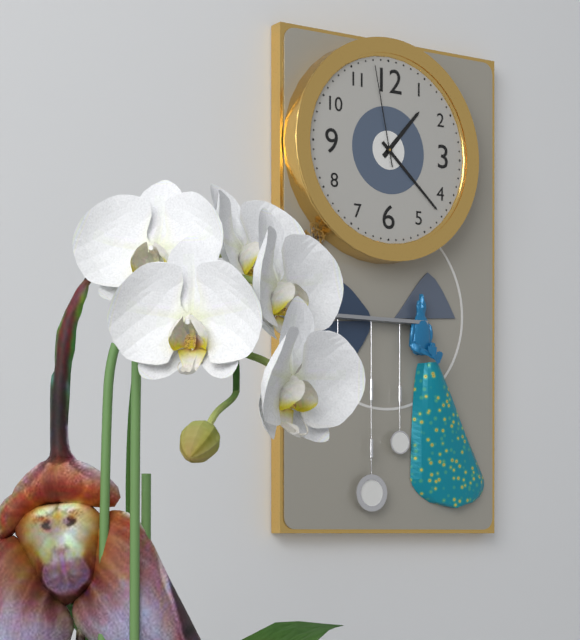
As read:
h=1 m=22 s=58
